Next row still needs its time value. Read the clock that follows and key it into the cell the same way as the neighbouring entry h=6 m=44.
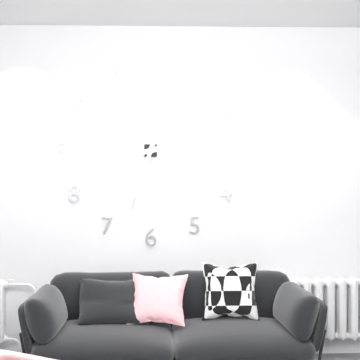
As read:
h=8 m=33
